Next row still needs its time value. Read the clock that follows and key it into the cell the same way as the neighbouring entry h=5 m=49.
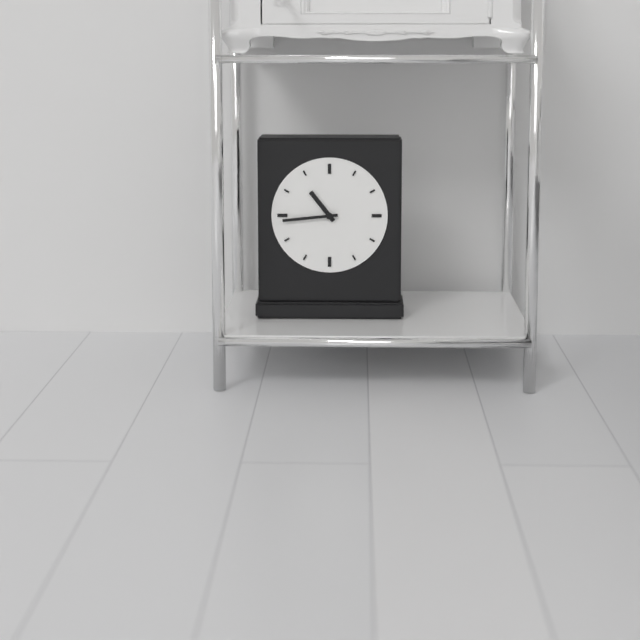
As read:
h=10 m=44
